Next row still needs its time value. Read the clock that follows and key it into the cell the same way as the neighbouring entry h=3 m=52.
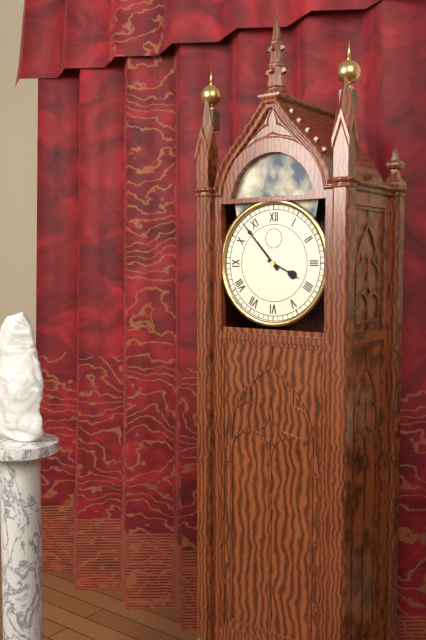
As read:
h=3 m=53
